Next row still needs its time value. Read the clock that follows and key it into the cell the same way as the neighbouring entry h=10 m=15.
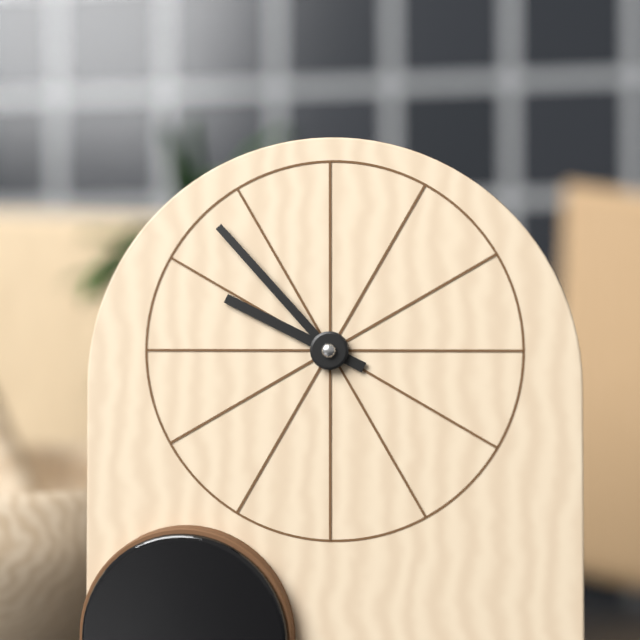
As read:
h=9 m=53
